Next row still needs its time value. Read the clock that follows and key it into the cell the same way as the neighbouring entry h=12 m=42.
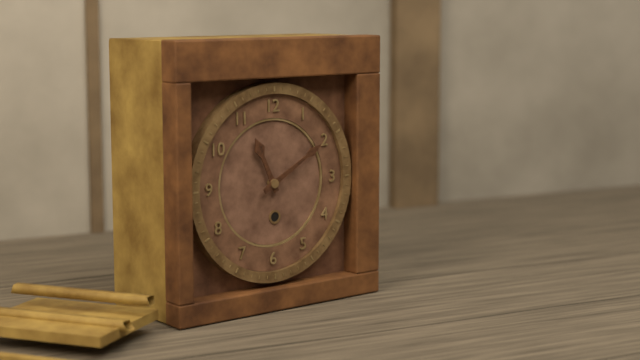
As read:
h=11 m=10
